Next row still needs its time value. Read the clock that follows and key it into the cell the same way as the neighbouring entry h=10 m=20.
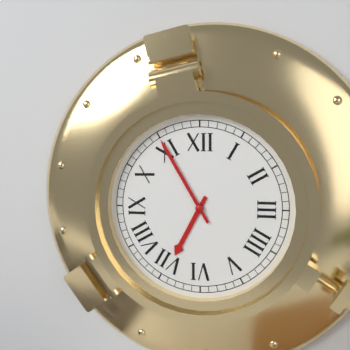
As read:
h=6 m=55
